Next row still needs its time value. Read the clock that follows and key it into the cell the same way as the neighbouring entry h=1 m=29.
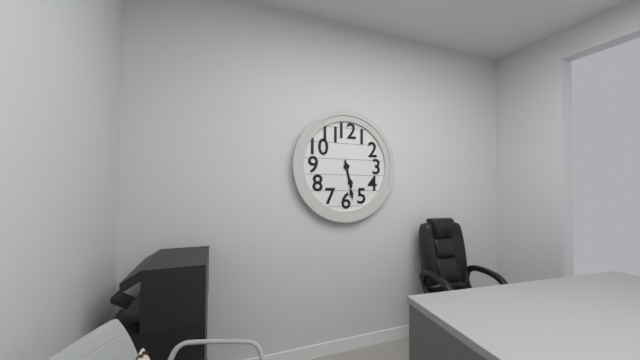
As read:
h=5 m=28
